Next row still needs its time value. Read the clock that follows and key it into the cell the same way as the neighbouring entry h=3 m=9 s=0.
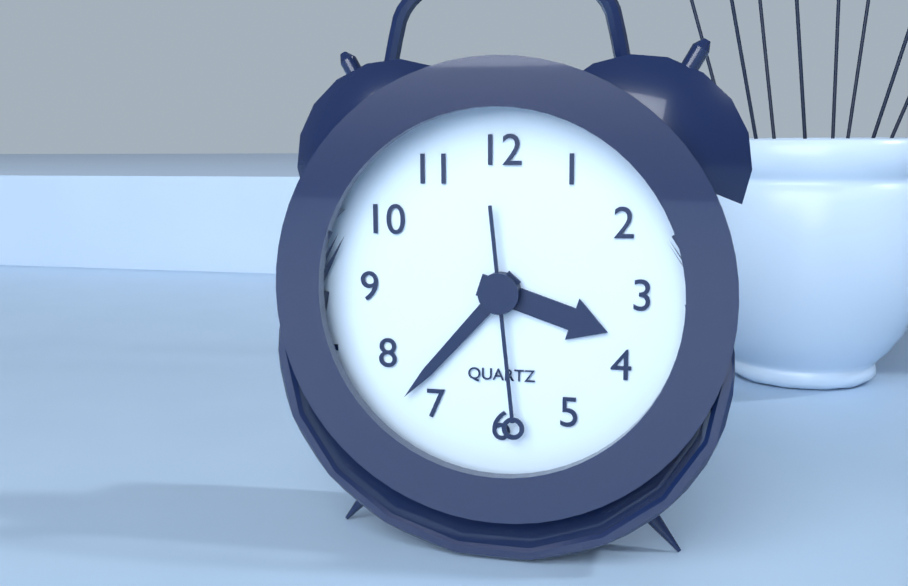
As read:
h=3 m=37 s=29
